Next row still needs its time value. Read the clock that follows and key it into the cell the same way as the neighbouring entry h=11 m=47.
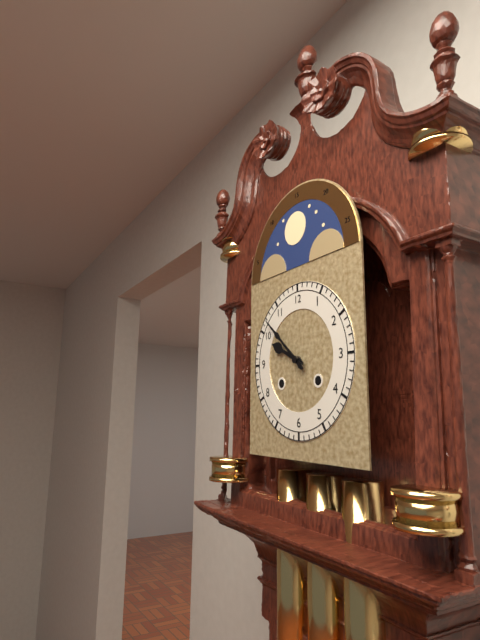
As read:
h=9 m=52
